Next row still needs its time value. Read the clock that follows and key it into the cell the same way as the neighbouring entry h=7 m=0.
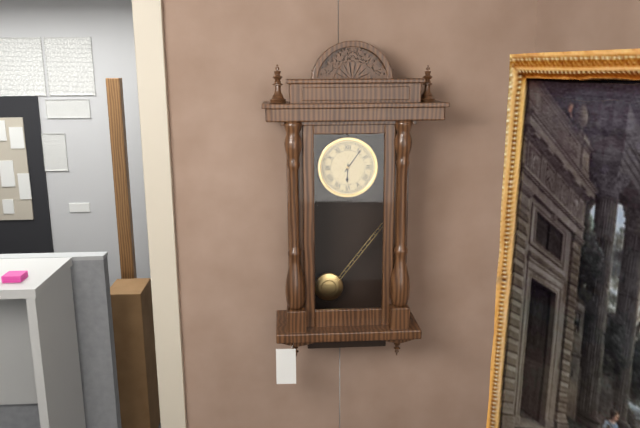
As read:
h=6 m=6
